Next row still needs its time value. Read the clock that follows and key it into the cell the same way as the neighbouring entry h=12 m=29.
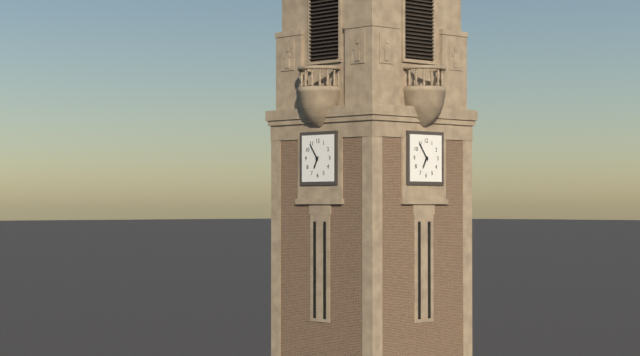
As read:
h=6 m=54
